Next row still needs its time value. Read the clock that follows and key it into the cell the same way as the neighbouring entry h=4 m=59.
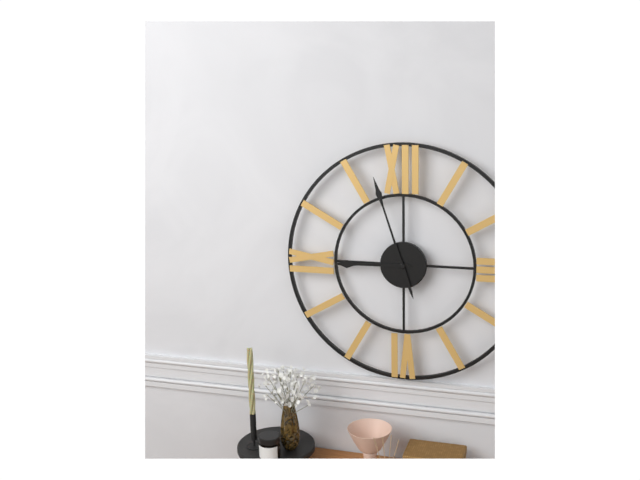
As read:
h=8 m=57
